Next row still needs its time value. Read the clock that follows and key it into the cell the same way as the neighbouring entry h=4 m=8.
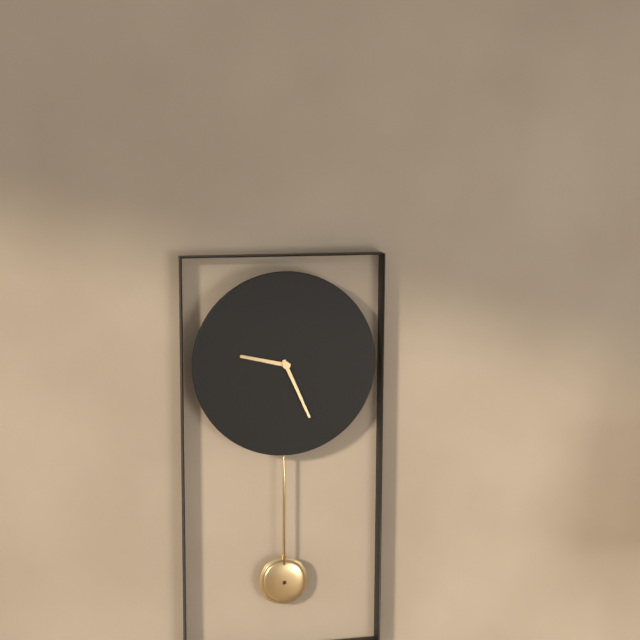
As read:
h=9 m=26
